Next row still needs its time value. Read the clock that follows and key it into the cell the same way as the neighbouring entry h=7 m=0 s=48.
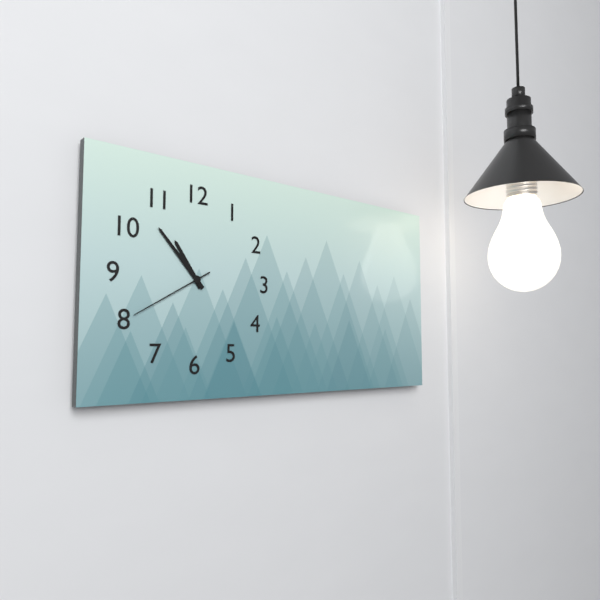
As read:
h=10 m=53 s=40
